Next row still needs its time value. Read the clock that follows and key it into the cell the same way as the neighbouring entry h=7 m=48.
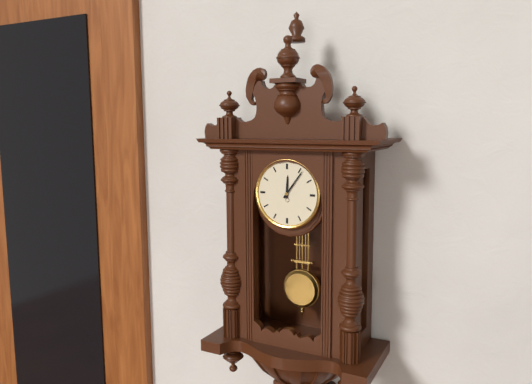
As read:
h=12 m=6
